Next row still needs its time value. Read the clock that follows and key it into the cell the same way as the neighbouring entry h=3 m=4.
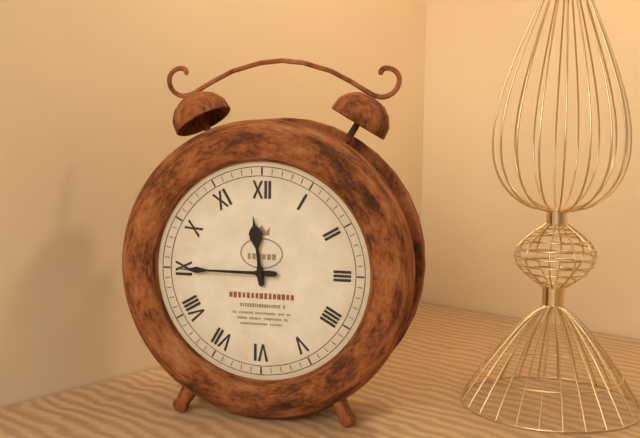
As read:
h=11 m=45
